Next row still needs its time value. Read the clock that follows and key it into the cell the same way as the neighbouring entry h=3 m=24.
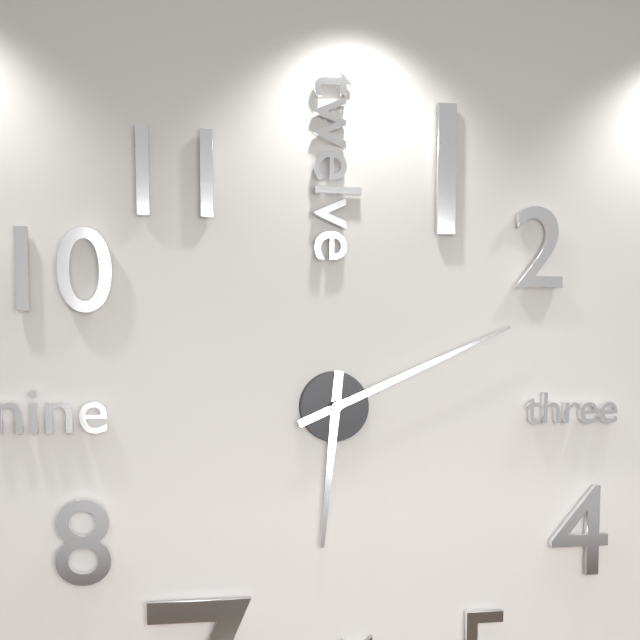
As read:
h=6 m=11
